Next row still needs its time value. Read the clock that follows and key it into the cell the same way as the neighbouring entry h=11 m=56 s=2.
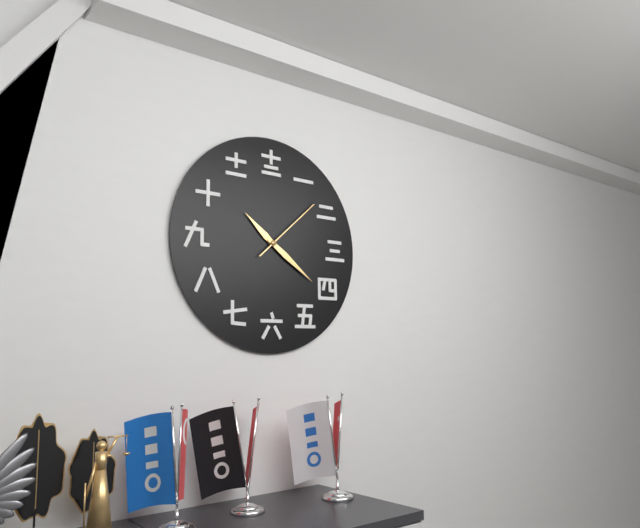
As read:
h=10 m=21 s=8
